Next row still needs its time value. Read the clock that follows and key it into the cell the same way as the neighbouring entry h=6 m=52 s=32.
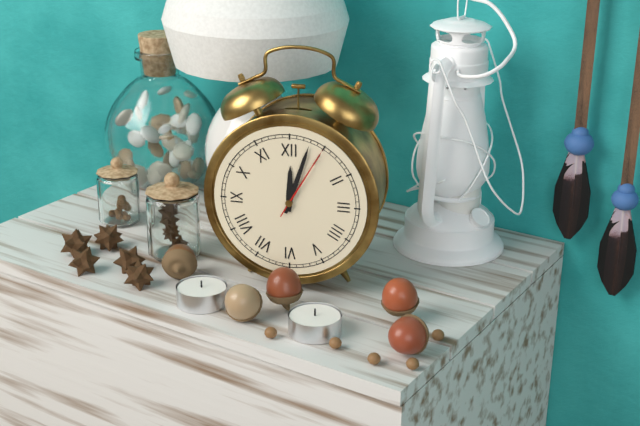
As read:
h=12 m=3 s=5
